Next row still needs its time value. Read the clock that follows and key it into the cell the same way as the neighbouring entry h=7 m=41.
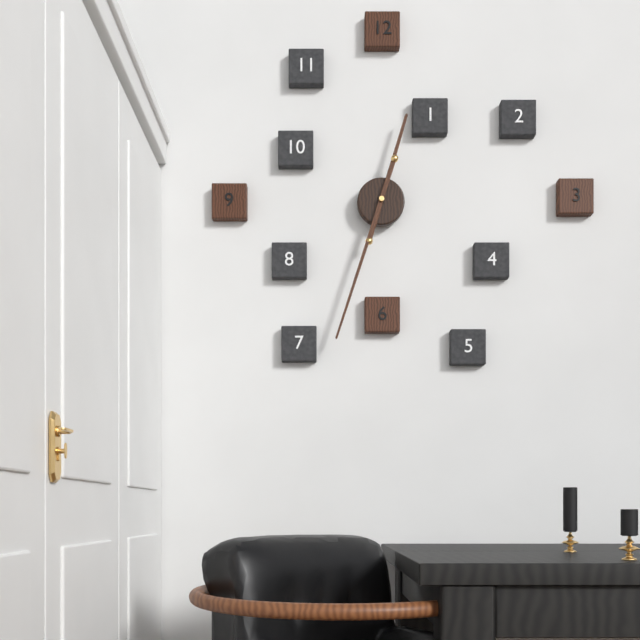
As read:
h=12 m=33
